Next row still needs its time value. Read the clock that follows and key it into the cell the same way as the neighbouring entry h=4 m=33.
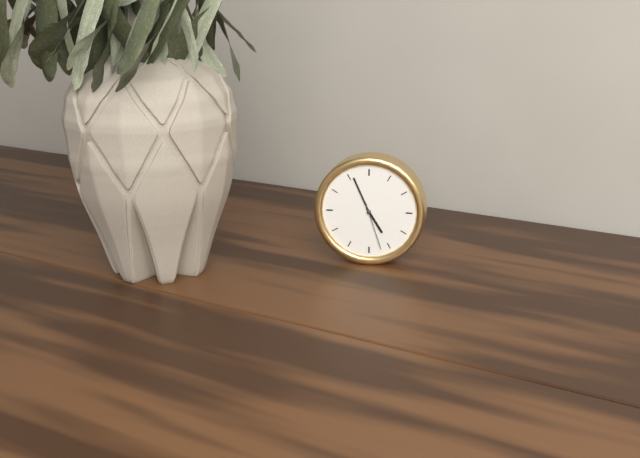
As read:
h=4 m=56
